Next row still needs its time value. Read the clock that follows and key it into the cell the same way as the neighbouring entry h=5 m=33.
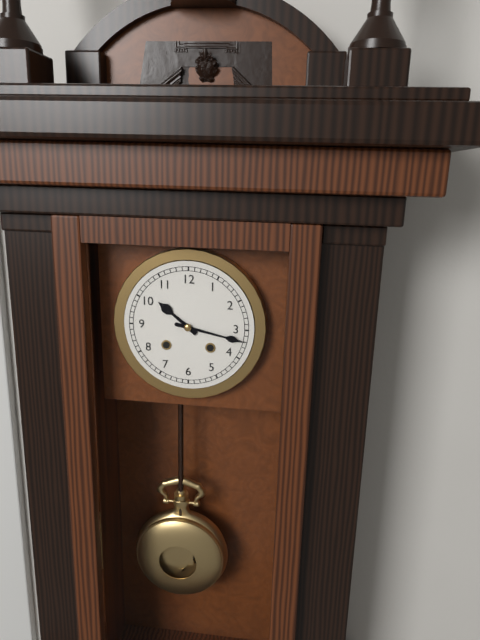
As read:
h=10 m=17
